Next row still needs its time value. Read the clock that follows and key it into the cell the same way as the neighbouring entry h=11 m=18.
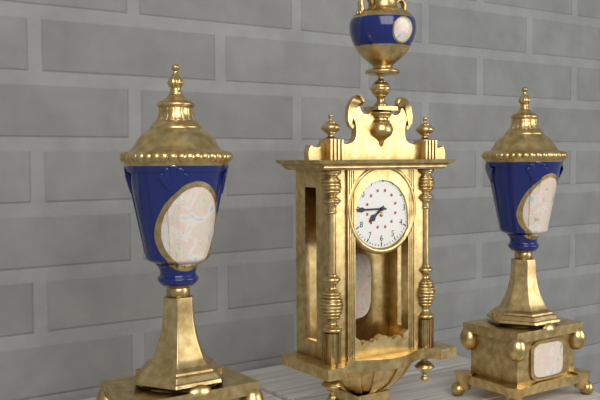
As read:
h=7 m=45
